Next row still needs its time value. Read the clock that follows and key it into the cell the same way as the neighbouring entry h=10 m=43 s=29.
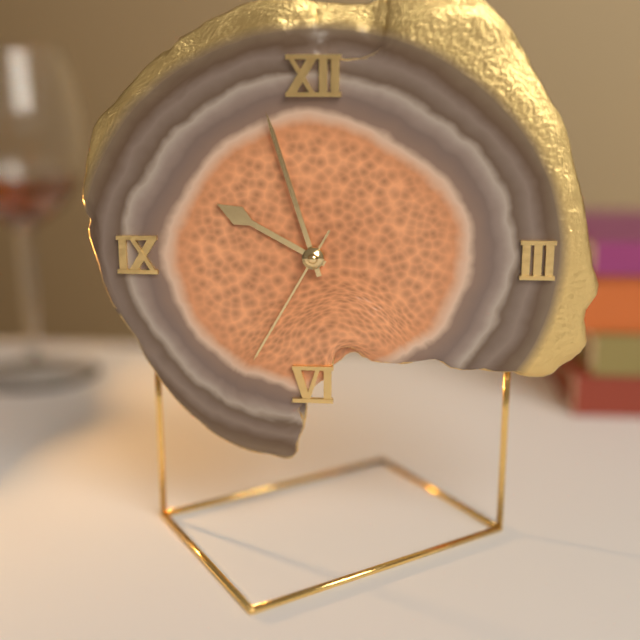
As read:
h=9 m=57 s=35
